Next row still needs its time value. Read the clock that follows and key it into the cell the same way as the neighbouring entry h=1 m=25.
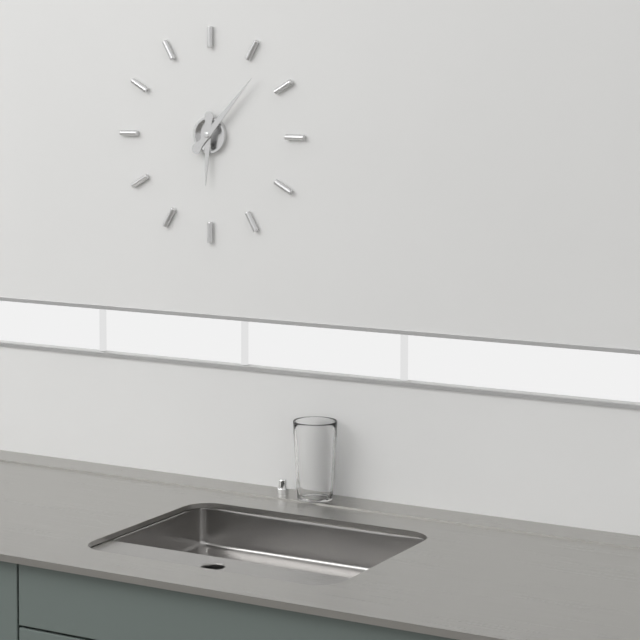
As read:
h=6 m=7
